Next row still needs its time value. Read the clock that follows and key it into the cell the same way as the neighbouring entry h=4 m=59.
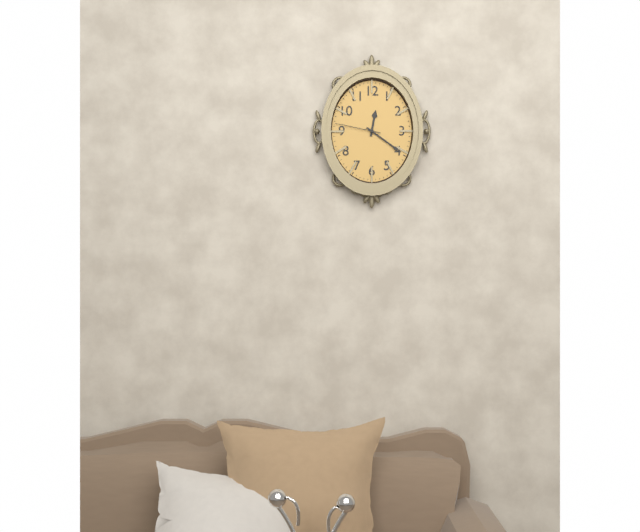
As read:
h=12 m=21
